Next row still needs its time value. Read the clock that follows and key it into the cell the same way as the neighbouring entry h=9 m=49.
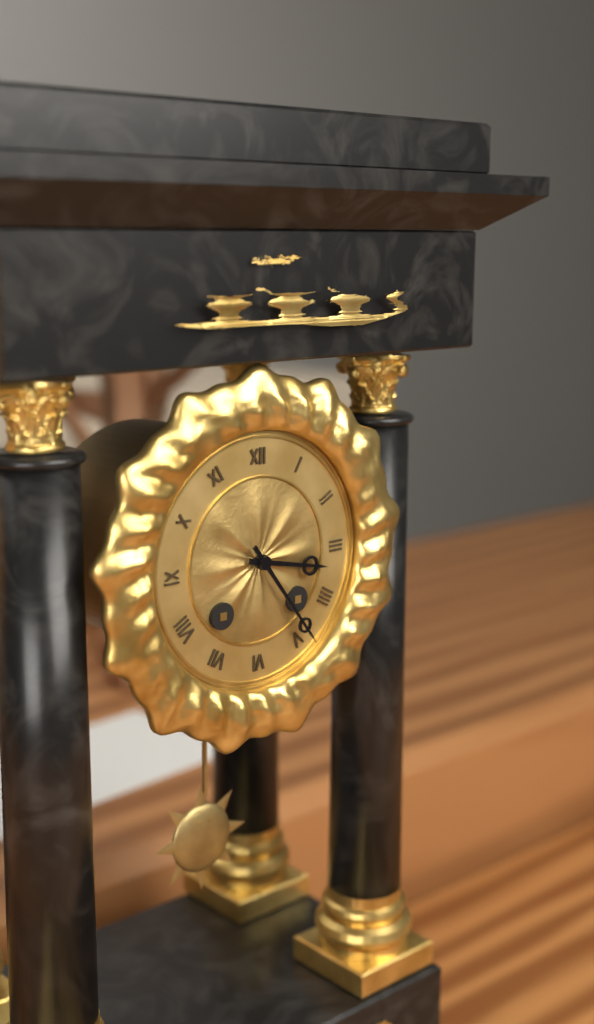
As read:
h=3 m=24
